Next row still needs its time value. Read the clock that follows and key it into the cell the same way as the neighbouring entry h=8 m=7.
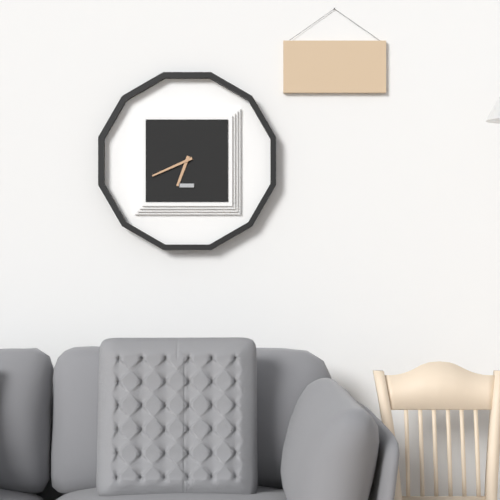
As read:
h=6 m=41
